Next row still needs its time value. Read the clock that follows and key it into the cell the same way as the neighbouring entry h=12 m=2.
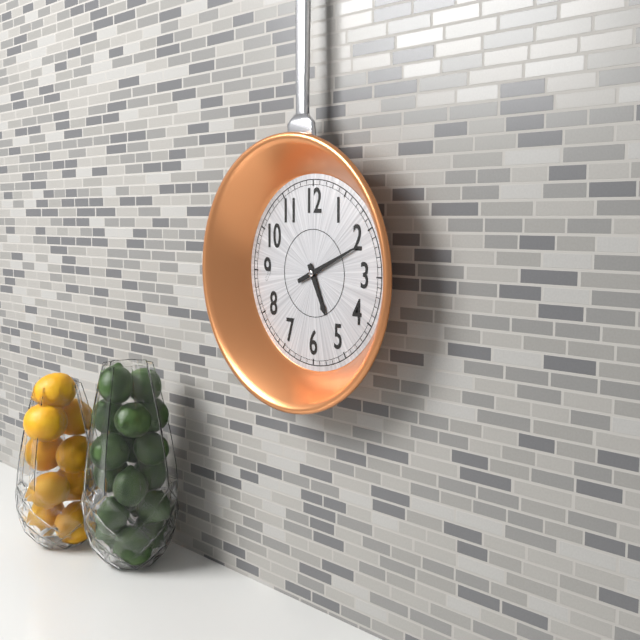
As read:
h=5 m=11
